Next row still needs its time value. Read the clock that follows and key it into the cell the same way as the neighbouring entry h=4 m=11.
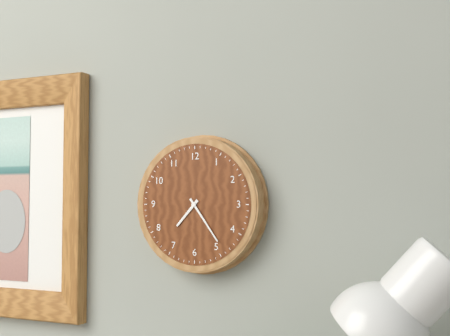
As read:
h=7 m=24
